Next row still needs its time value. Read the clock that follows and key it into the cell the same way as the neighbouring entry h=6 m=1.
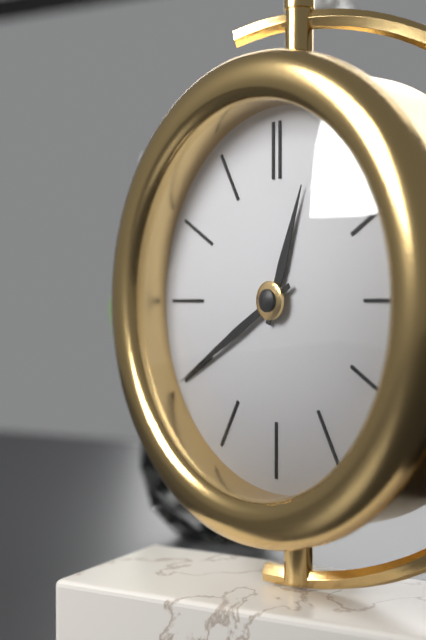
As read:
h=12 m=40
